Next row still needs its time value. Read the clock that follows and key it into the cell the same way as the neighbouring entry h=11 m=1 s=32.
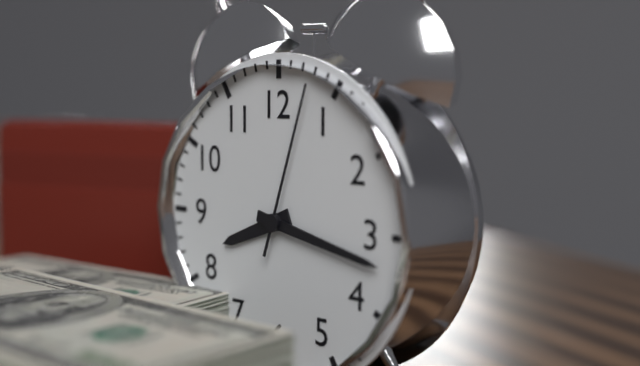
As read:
h=8 m=17 s=3
